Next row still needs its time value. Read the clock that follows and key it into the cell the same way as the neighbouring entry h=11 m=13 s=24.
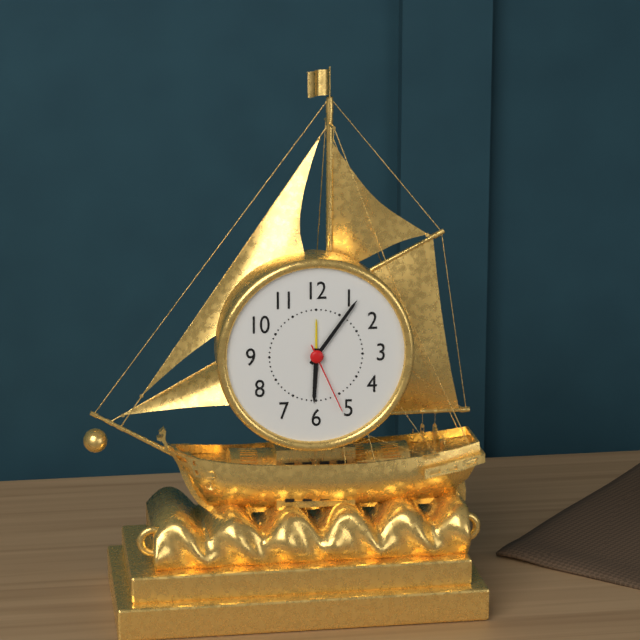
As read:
h=6 m=6 s=26
